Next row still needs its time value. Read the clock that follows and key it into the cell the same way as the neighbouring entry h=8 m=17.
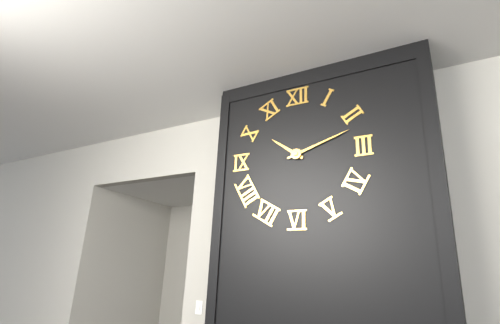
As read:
h=10 m=12
